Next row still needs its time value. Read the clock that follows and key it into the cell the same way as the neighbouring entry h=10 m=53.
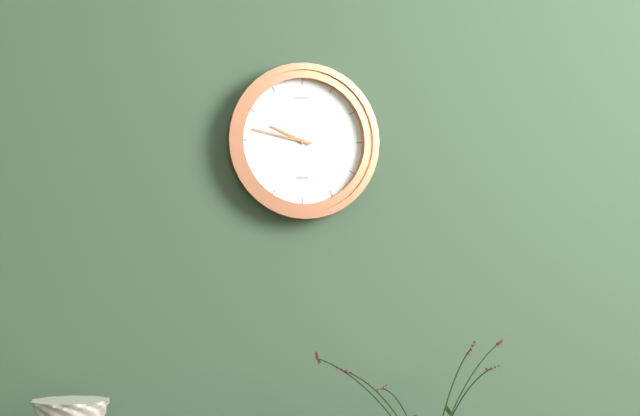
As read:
h=9 m=47
